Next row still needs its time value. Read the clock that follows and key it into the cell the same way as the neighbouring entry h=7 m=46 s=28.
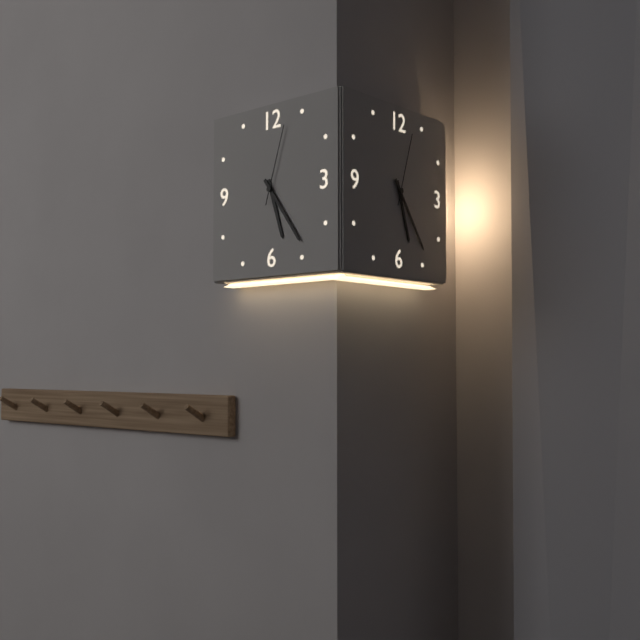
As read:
h=5 m=24 s=3
